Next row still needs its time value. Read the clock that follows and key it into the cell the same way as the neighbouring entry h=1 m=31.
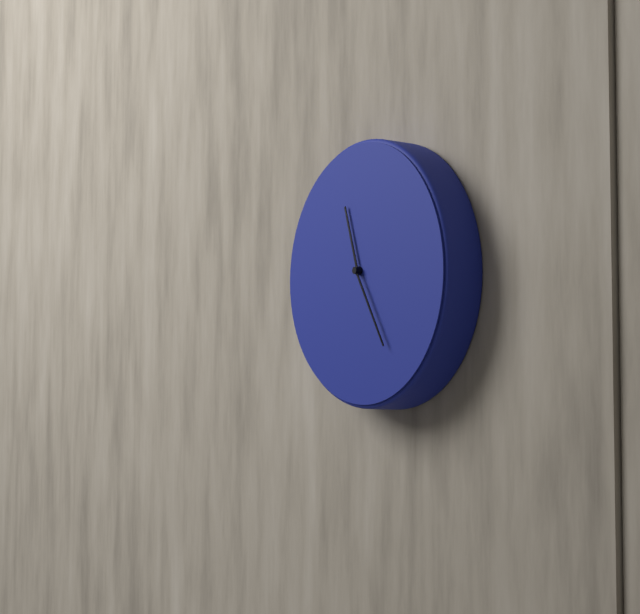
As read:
h=11 m=25
